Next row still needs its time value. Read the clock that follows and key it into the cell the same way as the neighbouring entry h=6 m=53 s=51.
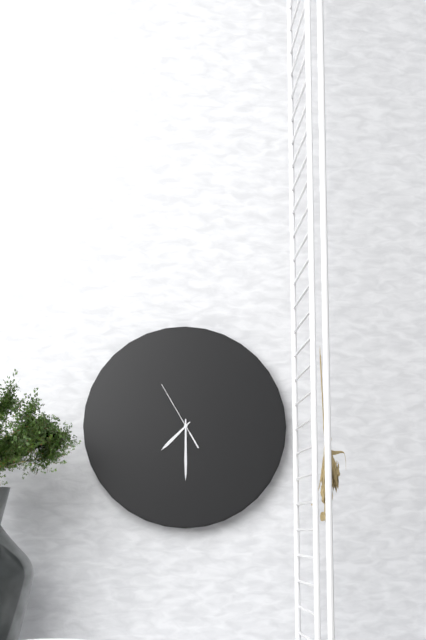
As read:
h=7 m=30 s=55
